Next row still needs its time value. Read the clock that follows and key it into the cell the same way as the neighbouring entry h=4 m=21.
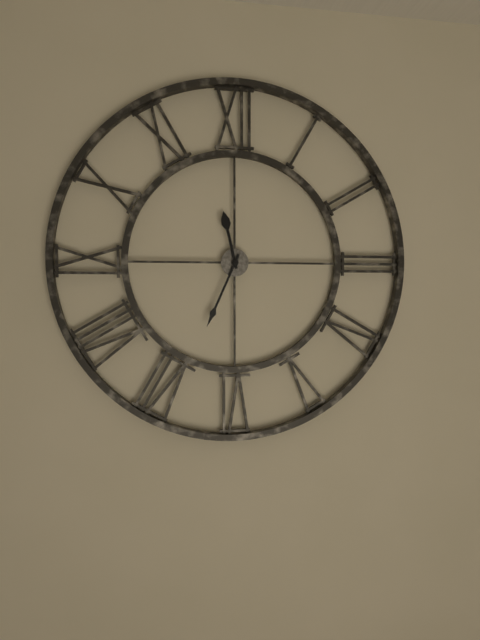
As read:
h=11 m=34
